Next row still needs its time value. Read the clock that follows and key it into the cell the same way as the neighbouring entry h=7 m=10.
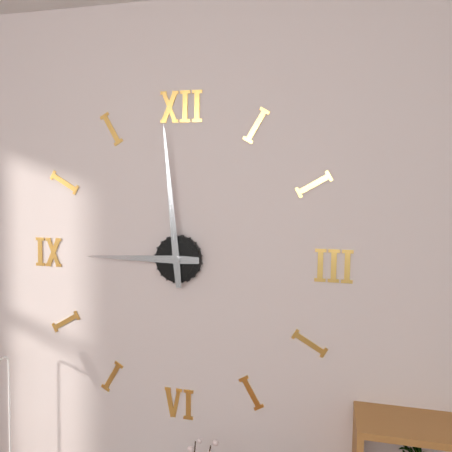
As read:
h=8 m=59
